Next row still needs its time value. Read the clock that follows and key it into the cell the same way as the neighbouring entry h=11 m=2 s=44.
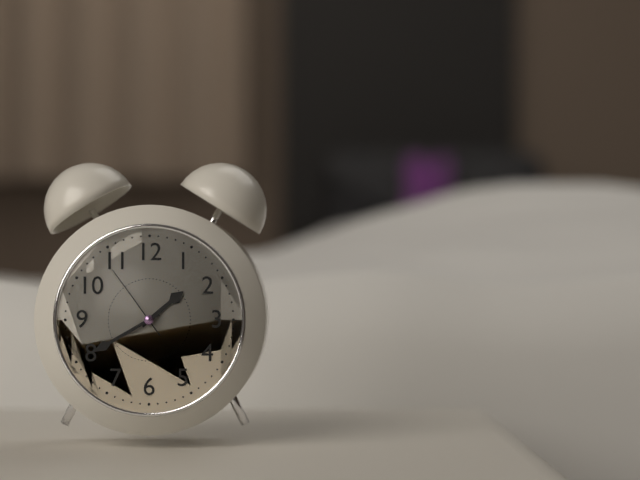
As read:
h=1 m=40 s=54
